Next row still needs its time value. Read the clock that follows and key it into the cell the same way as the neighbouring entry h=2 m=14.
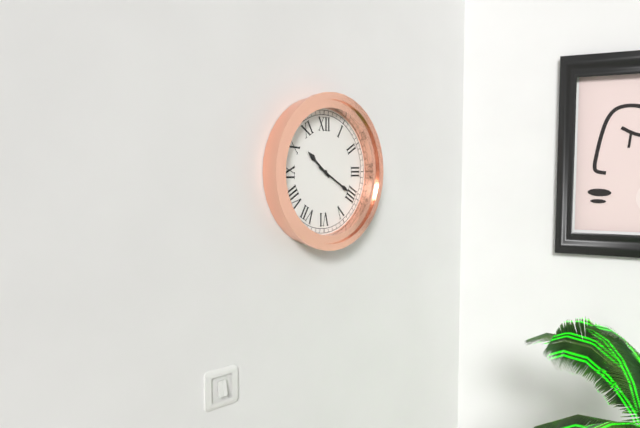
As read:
h=10 m=20
